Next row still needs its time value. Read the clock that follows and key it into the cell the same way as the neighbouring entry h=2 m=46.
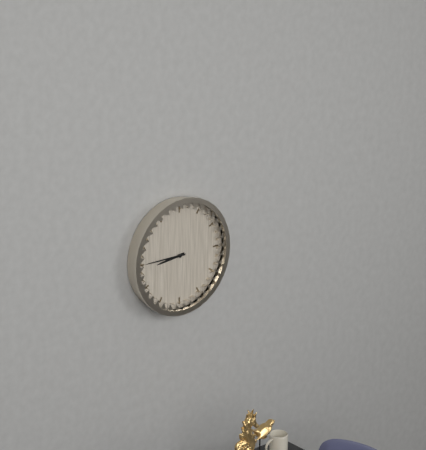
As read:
h=8 m=45
